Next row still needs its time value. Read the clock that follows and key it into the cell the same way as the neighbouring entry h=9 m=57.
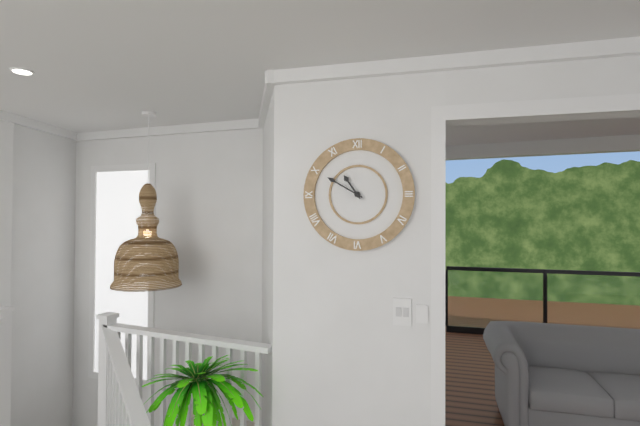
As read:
h=10 m=50
